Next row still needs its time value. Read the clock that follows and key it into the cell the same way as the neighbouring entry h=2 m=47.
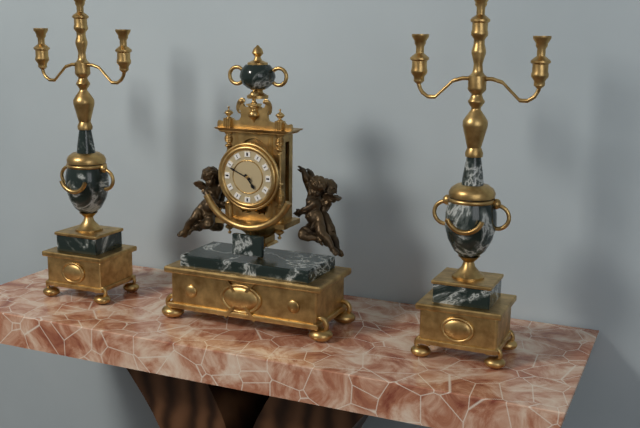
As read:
h=4 m=49
